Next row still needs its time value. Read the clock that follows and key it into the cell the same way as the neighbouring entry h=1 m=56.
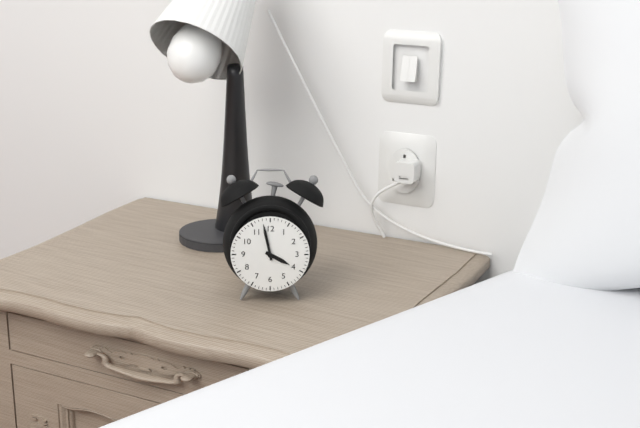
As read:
h=3 m=58
